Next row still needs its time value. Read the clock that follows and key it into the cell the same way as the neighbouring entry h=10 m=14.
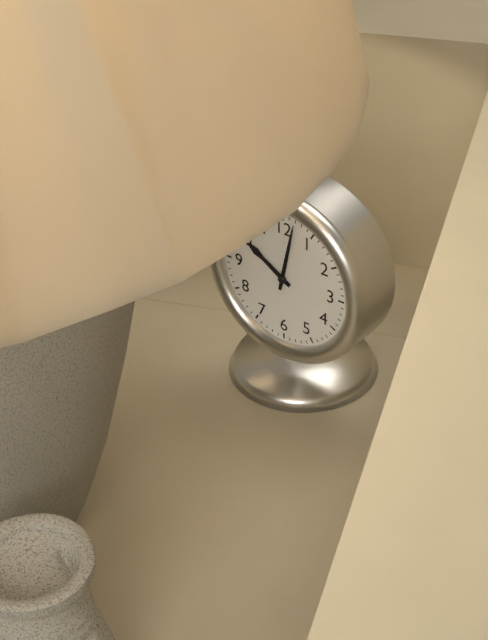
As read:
h=10 m=2
